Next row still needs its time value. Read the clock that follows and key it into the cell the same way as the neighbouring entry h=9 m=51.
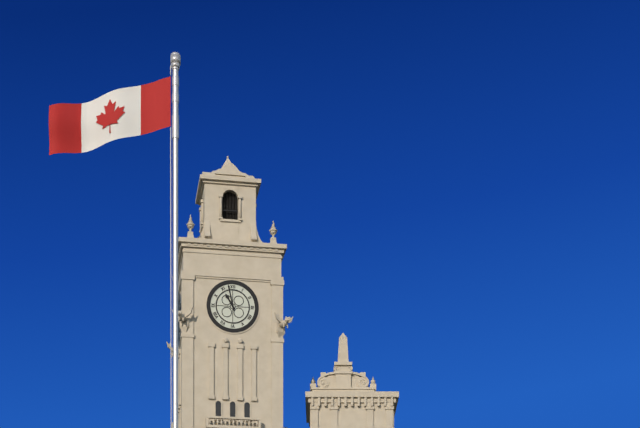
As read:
h=10 m=58
